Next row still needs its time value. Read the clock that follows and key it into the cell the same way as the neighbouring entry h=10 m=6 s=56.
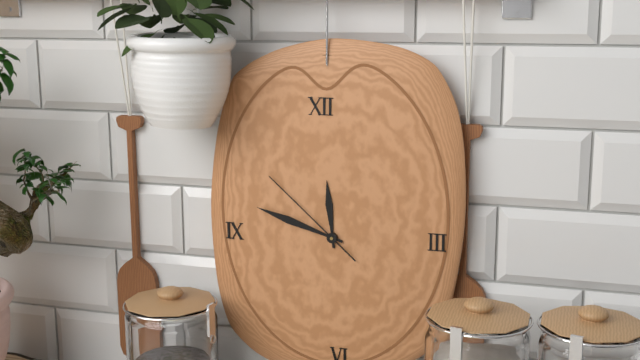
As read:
h=11 m=48 s=52
